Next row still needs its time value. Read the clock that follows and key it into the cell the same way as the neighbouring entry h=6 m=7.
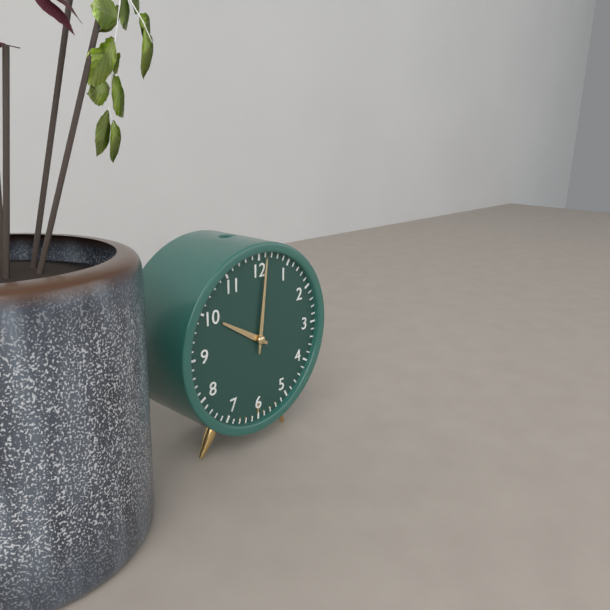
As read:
h=10 m=1
